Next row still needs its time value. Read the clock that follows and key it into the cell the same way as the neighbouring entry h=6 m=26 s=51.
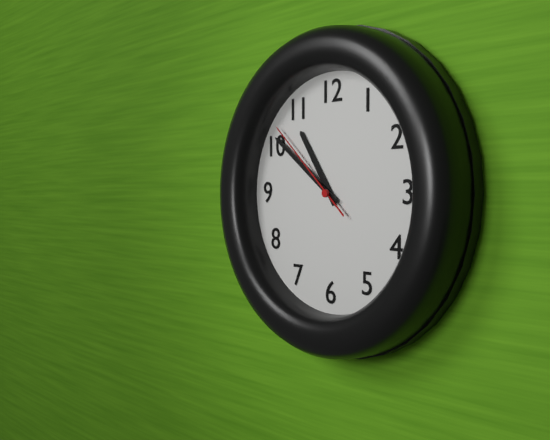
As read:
h=10 m=51 s=52
